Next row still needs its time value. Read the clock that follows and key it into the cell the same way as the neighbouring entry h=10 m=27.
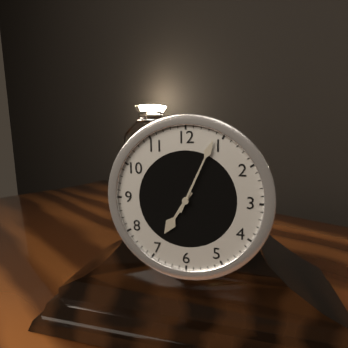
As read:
h=7 m=4
